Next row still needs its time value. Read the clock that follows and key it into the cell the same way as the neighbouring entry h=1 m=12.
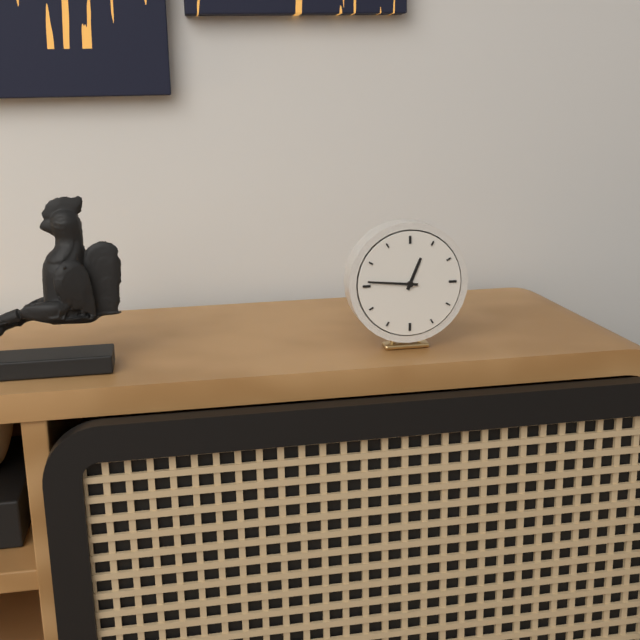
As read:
h=12 m=46
